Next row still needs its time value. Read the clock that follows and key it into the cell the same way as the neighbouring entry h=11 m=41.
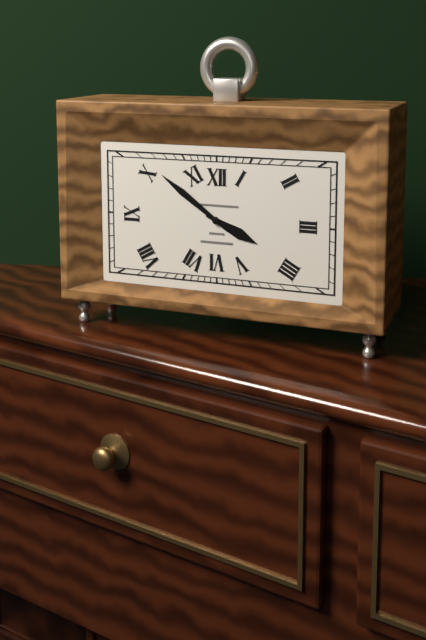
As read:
h=3 m=51
